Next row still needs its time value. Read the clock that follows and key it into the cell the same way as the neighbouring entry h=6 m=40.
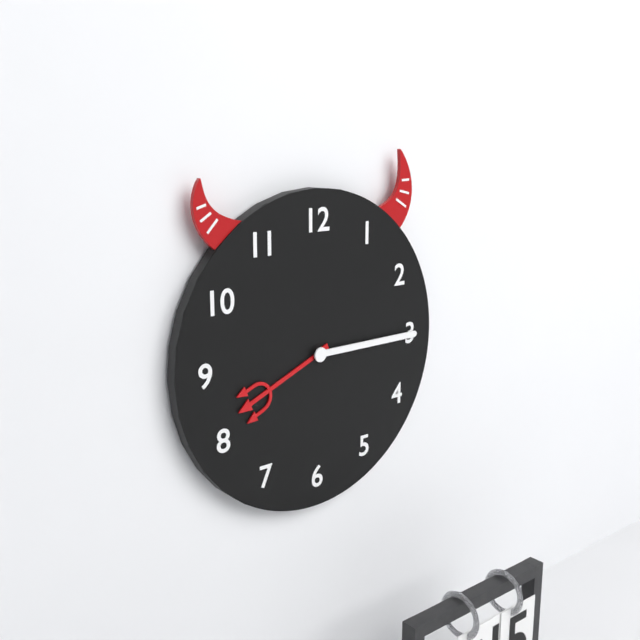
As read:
h=8 m=15
